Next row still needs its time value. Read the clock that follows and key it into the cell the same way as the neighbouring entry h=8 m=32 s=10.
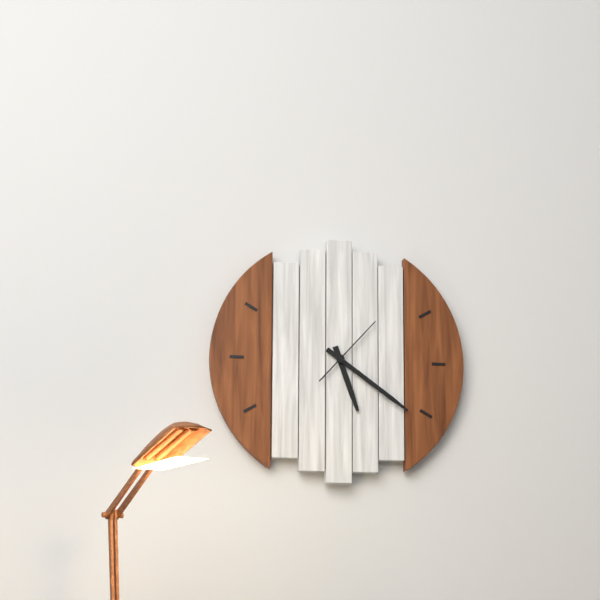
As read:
h=5 m=21 s=7
